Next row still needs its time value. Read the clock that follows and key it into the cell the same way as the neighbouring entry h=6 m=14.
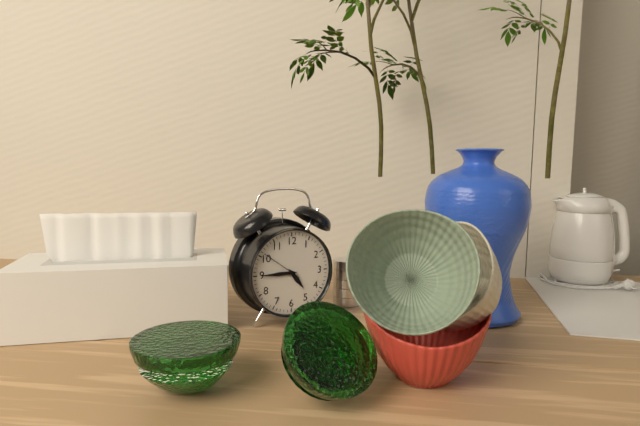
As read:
h=4 m=45
